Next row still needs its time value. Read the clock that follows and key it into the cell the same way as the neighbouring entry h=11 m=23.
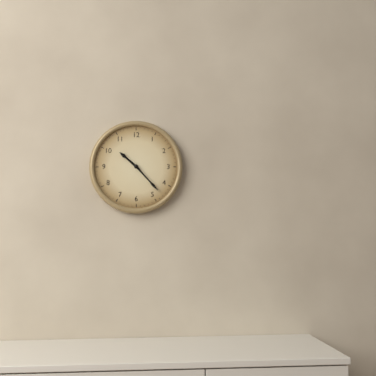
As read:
h=10 m=23
